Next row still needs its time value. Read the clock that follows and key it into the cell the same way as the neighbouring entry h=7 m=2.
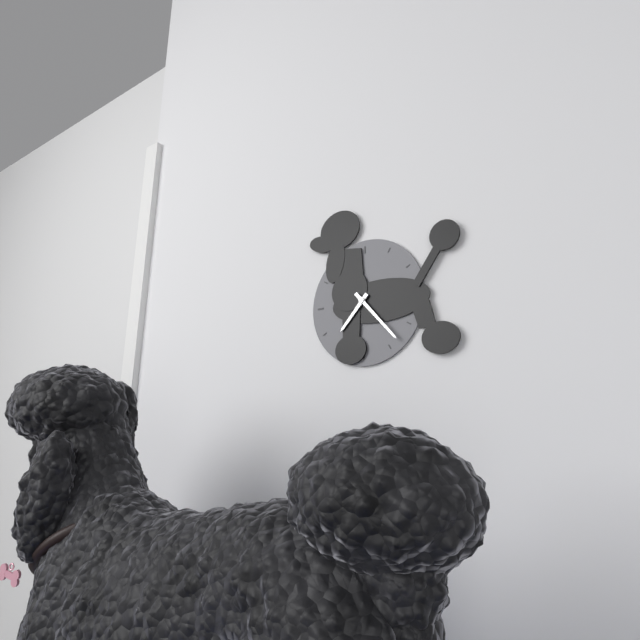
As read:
h=7 m=23
